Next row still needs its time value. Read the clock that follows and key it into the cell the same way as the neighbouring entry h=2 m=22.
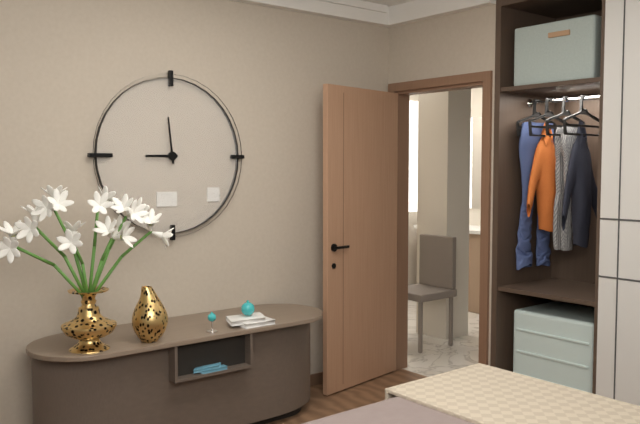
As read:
h=8 m=59
